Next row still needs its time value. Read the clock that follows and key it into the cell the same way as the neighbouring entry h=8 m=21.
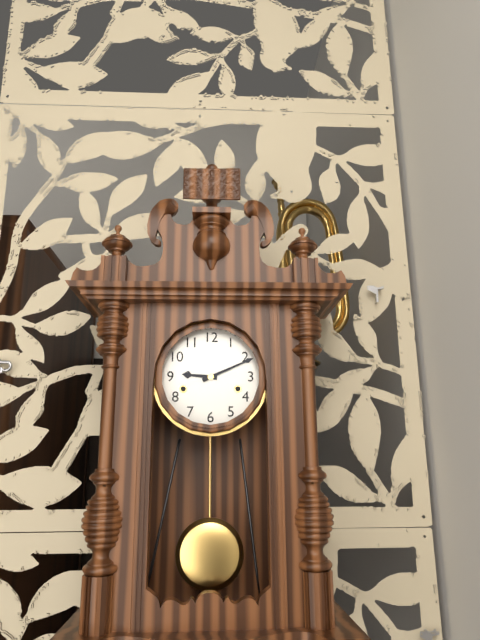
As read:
h=9 m=11
